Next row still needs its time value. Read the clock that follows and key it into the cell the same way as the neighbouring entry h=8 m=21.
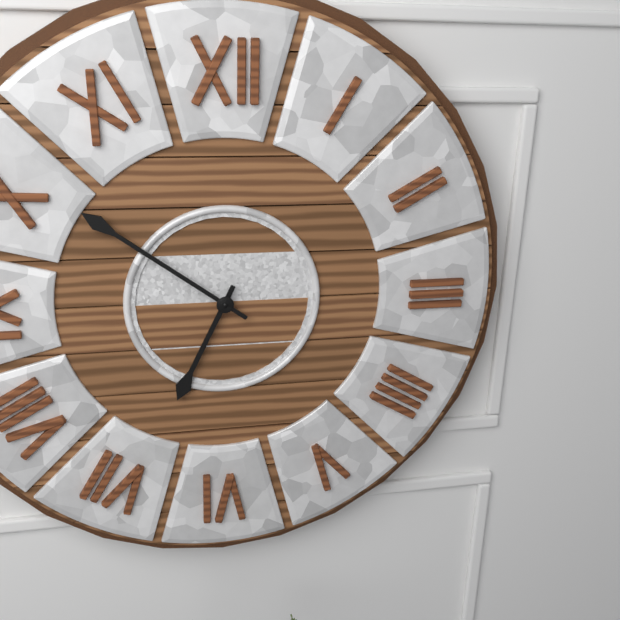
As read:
h=6 m=51
